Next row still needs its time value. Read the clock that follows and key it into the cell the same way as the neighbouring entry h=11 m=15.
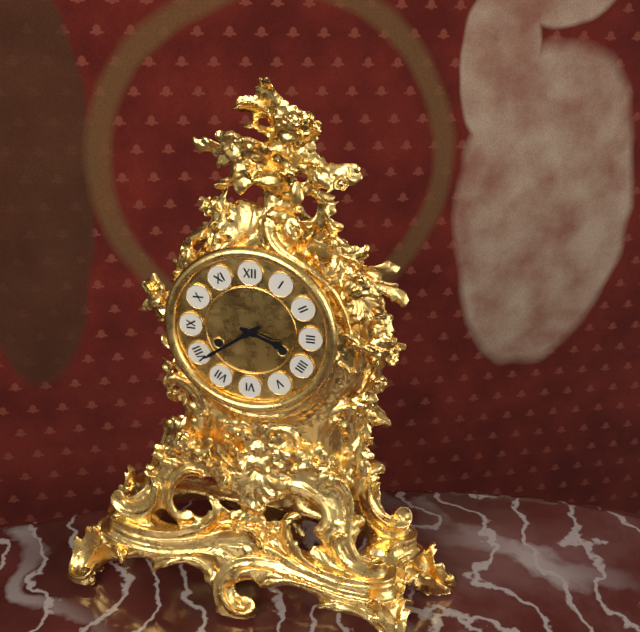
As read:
h=3 m=39
